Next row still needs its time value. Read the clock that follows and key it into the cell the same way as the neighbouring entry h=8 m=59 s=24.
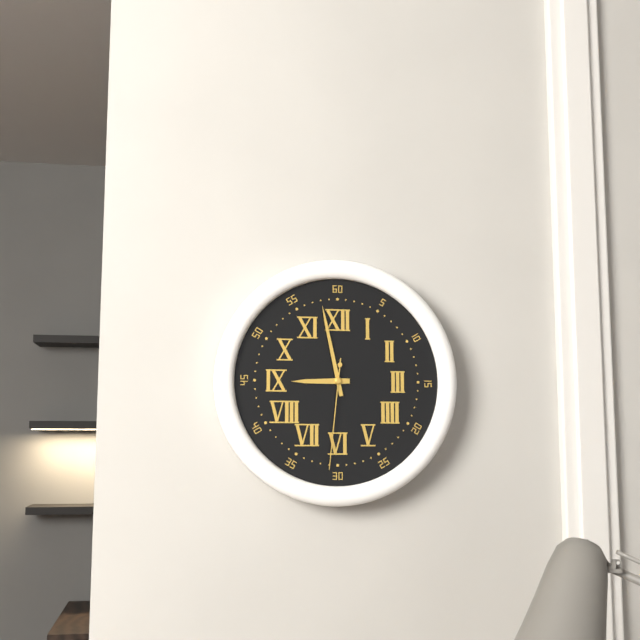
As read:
h=8 m=58 s=31
